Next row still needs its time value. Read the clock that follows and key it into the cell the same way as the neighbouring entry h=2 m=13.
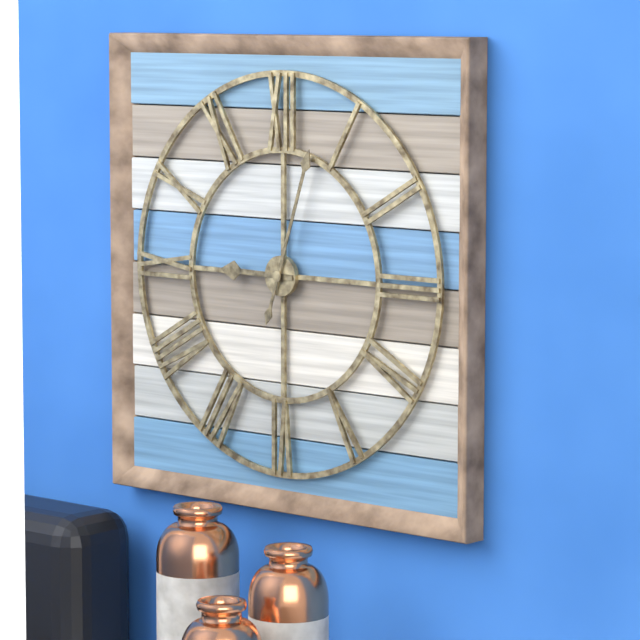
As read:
h=9 m=3
